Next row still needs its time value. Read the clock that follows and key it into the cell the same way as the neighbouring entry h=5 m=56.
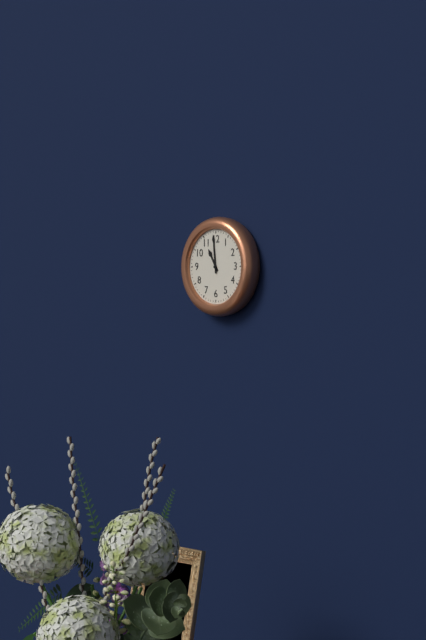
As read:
h=10 m=59
